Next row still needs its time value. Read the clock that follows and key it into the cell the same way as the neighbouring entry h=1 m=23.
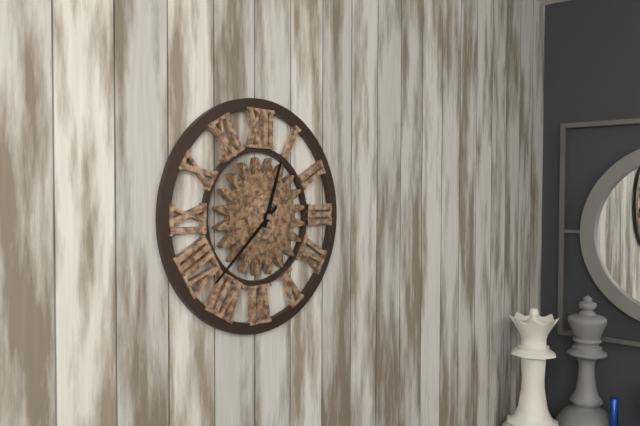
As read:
h=12 m=38
